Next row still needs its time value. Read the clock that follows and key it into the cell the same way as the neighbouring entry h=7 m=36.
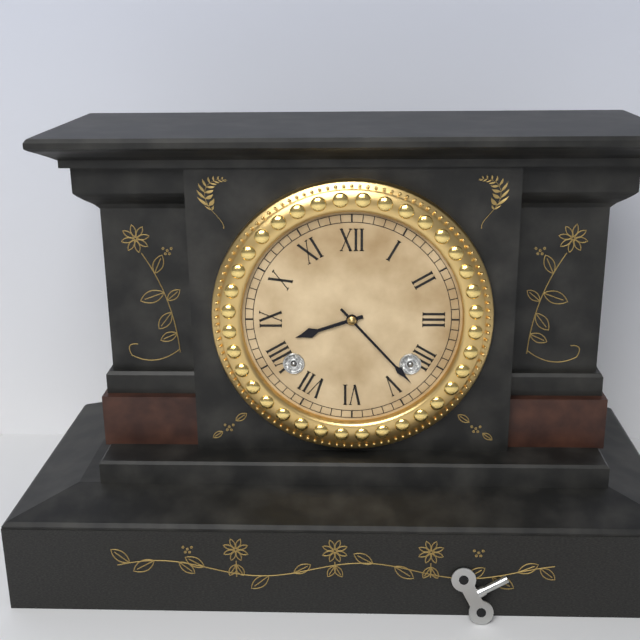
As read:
h=8 m=23
